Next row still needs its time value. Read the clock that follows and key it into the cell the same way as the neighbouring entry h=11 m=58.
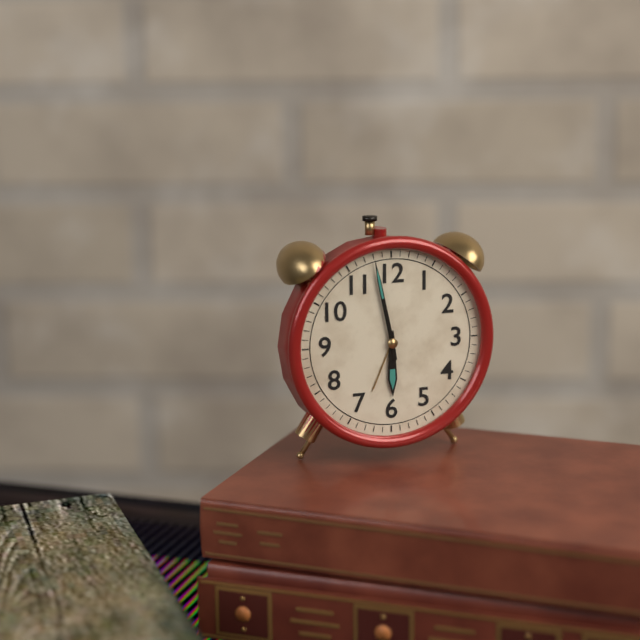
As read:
h=5 m=58
